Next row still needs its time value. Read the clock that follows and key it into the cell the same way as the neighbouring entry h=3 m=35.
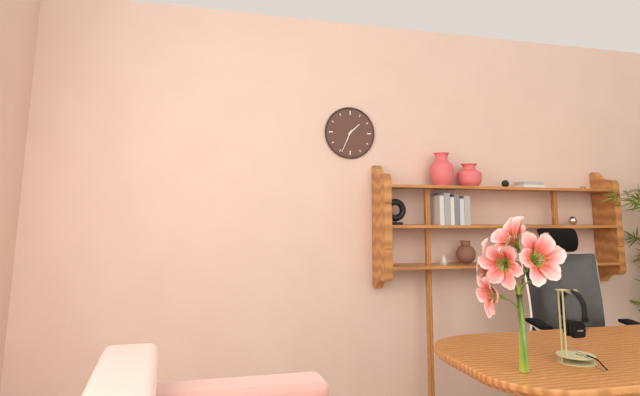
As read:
h=1 m=34
